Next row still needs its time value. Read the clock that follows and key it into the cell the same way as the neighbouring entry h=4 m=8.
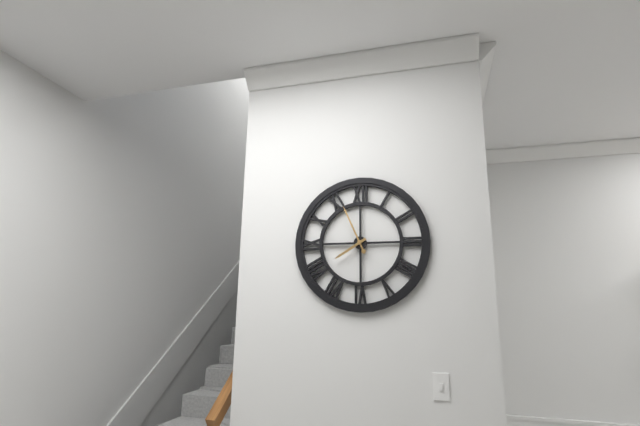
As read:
h=7 m=56
